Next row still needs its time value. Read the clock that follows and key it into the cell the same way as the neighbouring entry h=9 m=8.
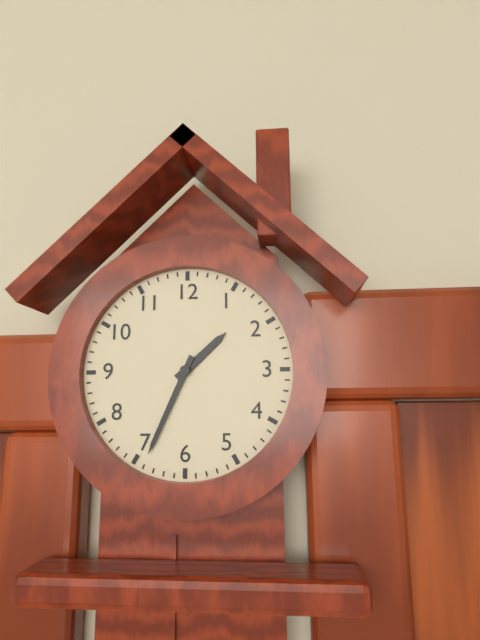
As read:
h=1 m=34
